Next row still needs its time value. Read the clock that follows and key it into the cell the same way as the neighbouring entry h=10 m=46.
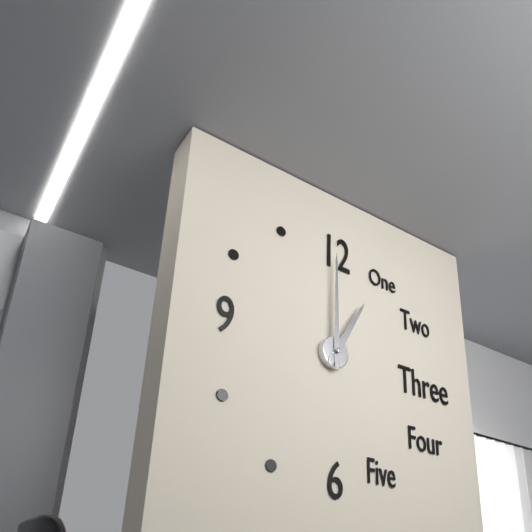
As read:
h=1 m=0
